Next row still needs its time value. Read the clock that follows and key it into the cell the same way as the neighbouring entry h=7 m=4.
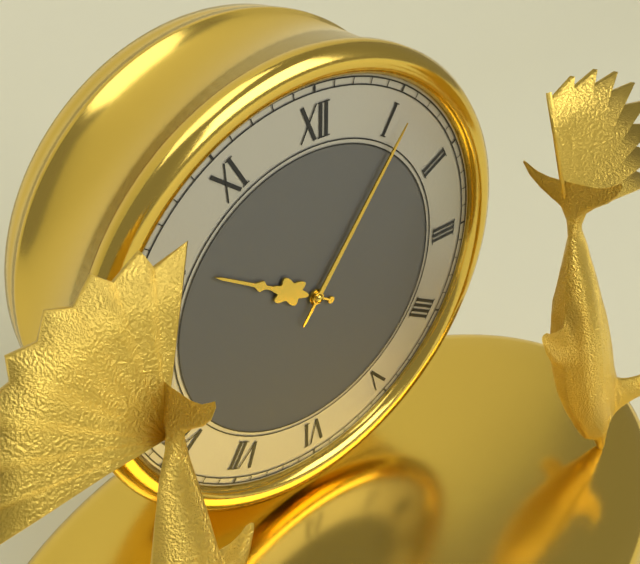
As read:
h=10 m=6
